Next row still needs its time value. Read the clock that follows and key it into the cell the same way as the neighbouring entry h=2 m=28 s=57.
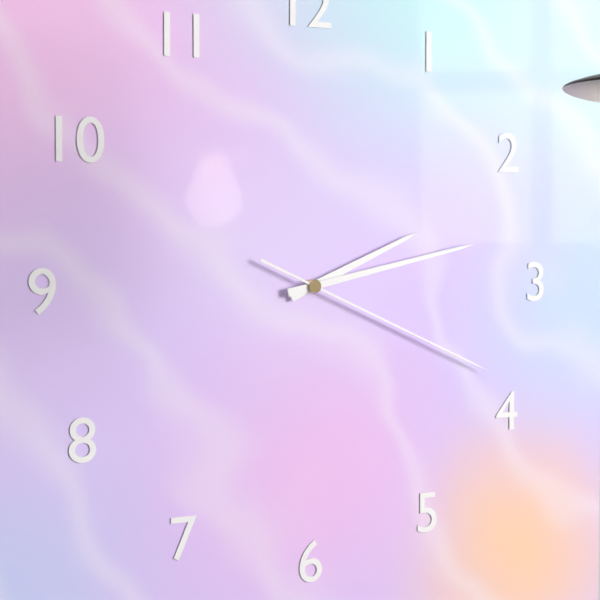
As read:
h=2 m=13 s=19
